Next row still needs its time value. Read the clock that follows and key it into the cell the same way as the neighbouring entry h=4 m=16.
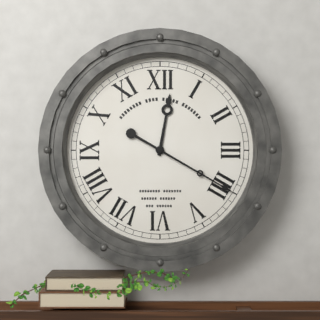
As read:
h=12 m=20
